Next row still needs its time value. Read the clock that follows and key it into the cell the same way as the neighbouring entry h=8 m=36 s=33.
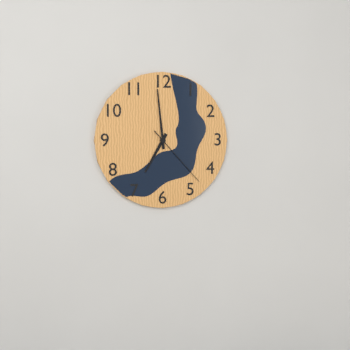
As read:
h=6 m=59 s=23
